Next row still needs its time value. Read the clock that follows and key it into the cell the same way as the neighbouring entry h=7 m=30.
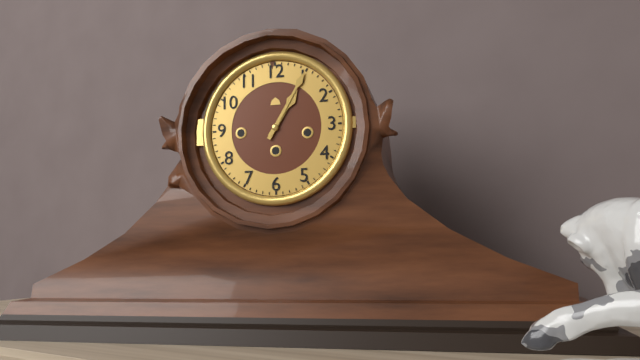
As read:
h=1 m=5
